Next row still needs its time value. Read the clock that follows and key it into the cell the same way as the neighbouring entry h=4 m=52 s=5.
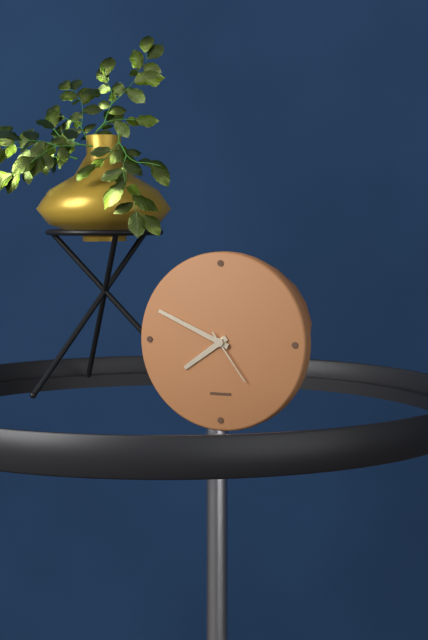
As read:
h=7 m=49 s=24
